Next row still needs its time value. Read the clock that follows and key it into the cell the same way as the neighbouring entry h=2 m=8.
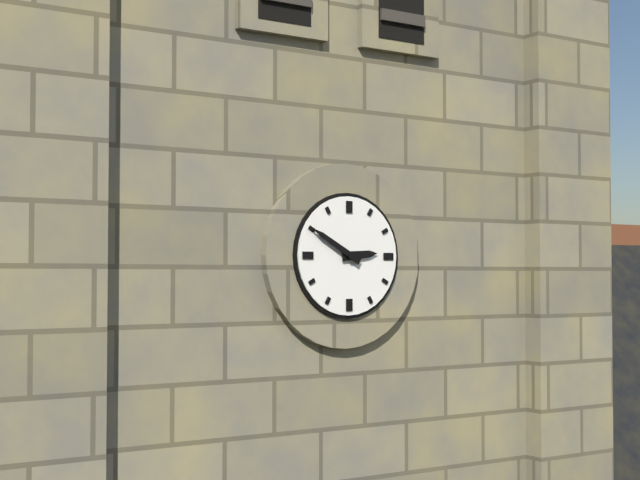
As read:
h=2 m=50
